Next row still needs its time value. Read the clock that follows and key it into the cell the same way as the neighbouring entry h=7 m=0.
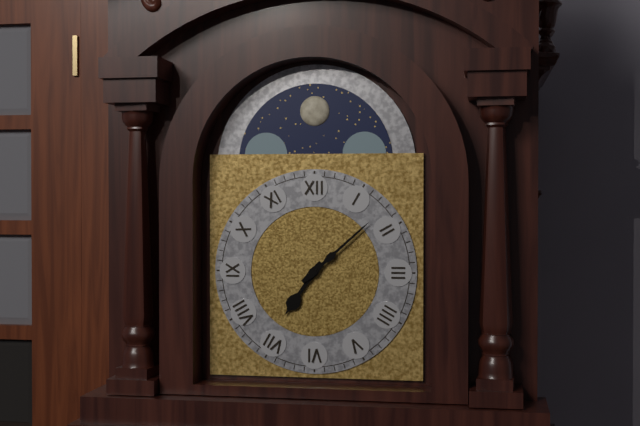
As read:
h=7 m=8
